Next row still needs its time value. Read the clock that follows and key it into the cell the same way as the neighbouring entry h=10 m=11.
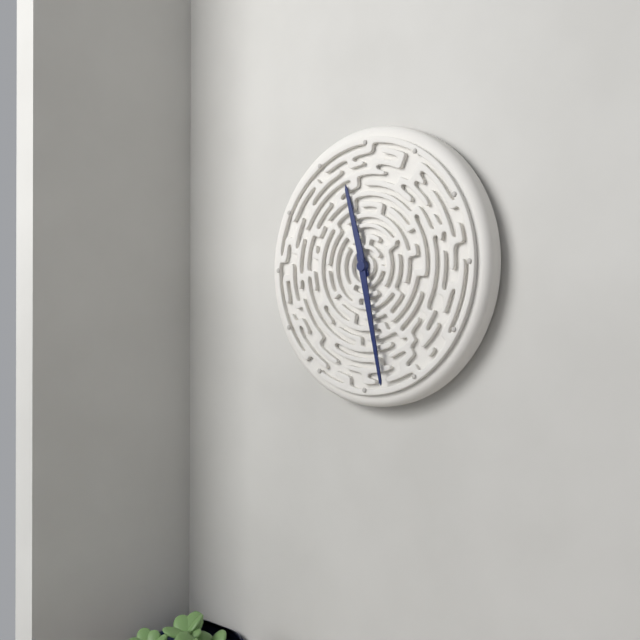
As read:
h=11 m=28
